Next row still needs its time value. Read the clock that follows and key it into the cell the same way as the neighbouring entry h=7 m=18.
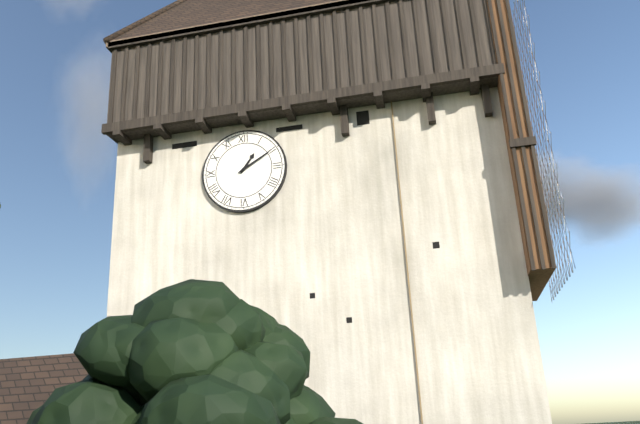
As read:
h=1 m=10
